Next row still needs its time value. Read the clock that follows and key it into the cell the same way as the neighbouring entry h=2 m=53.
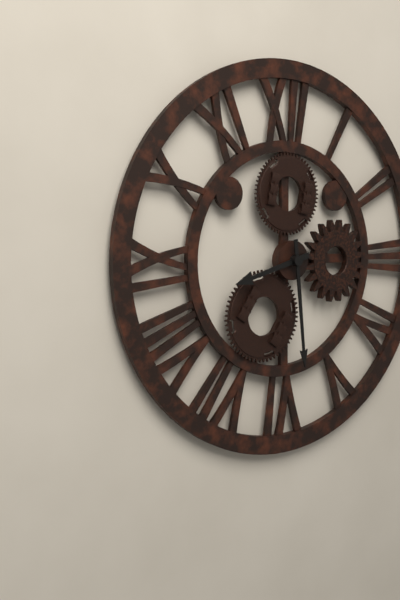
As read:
h=8 m=29
